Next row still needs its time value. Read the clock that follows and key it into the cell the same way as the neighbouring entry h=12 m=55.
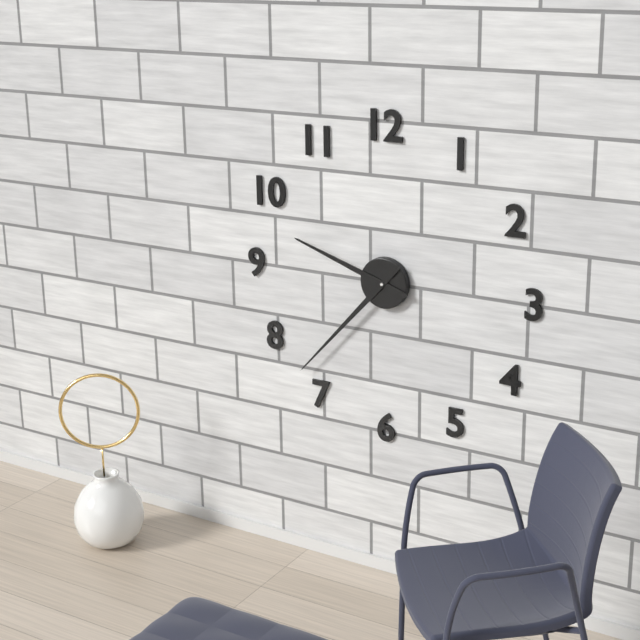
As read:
h=9 m=37
